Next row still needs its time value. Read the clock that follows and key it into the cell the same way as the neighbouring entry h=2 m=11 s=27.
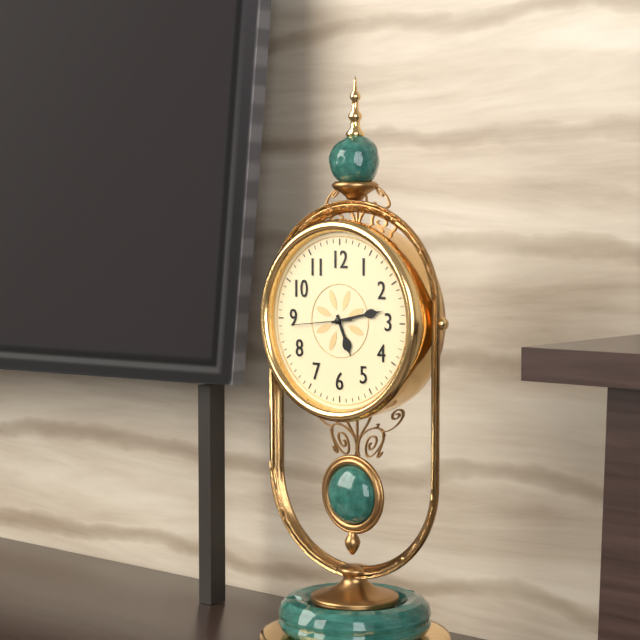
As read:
h=5 m=13 s=44
